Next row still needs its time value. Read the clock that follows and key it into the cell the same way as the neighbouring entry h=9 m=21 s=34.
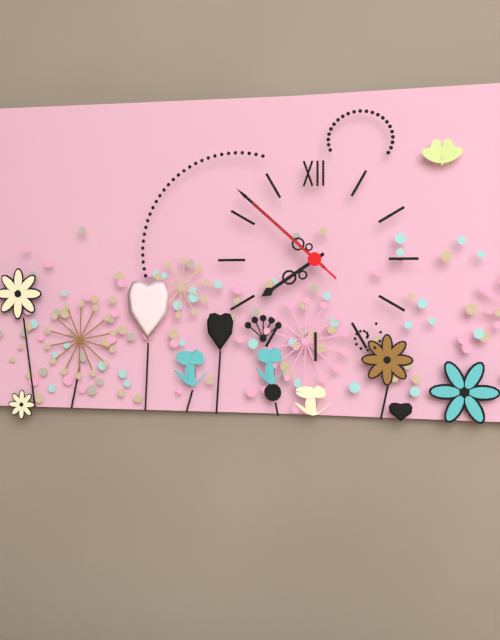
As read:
h=7 m=52 s=52
